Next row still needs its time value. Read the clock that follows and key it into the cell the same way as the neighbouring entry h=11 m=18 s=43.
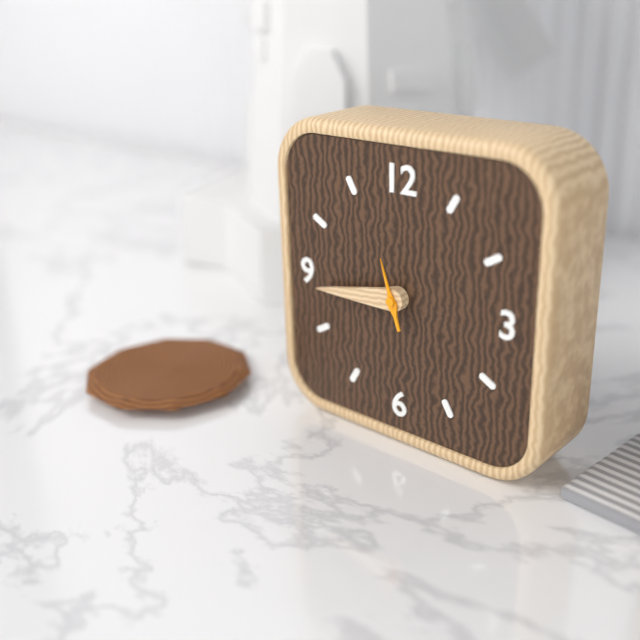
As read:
h=8 m=44 s=57
